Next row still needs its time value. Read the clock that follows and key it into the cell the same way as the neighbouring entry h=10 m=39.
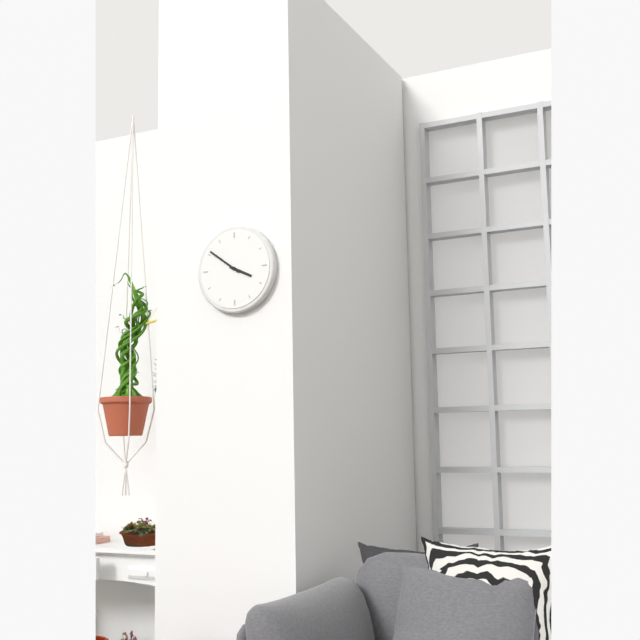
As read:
h=3 m=51
